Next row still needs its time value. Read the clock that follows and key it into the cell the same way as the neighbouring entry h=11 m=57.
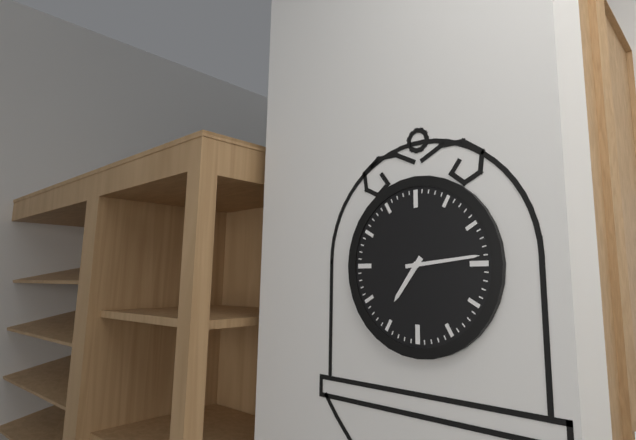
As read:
h=7 m=14
